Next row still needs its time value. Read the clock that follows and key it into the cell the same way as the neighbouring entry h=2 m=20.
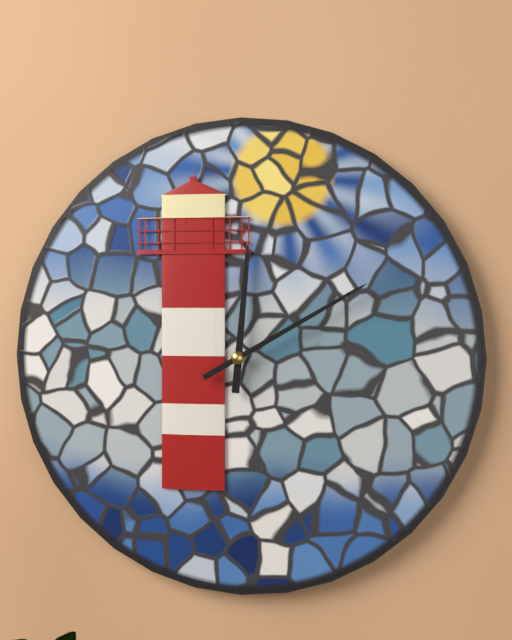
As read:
h=12 m=10
